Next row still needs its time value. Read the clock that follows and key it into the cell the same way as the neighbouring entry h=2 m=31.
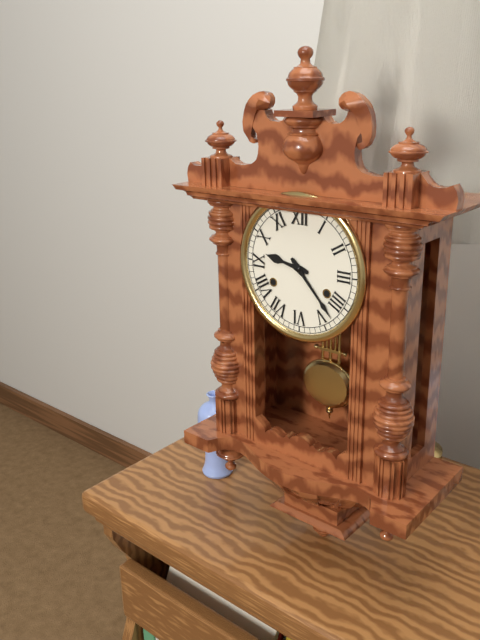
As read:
h=9 m=23
